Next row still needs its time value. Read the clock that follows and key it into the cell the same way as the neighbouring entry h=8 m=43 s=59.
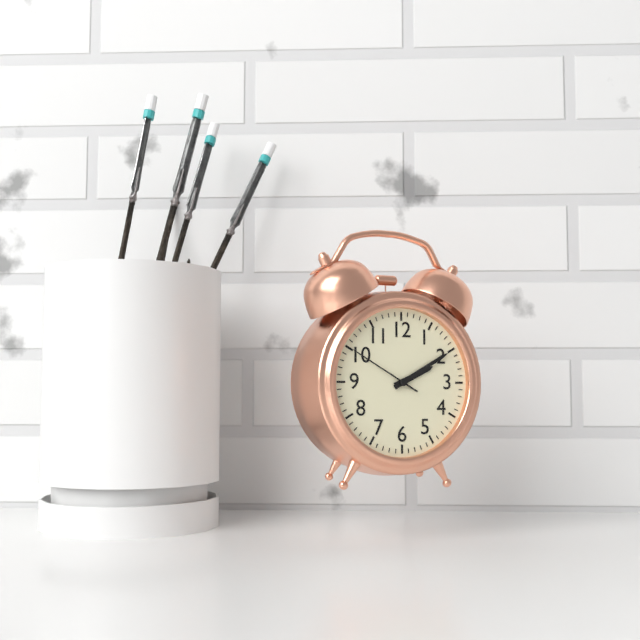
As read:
h=2 m=10 s=50
